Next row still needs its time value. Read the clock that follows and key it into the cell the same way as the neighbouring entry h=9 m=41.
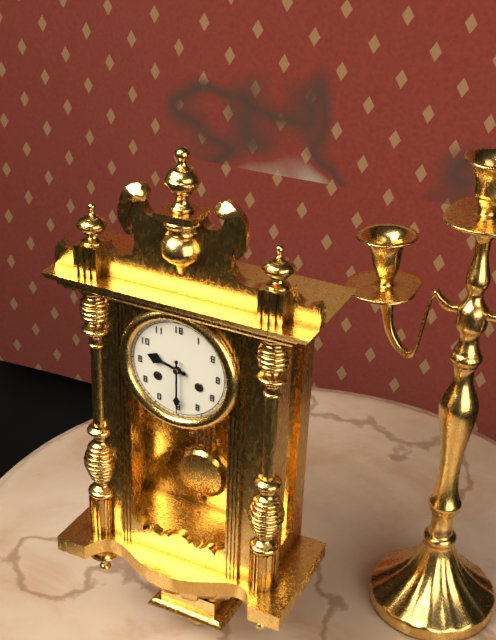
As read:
h=9 m=30
